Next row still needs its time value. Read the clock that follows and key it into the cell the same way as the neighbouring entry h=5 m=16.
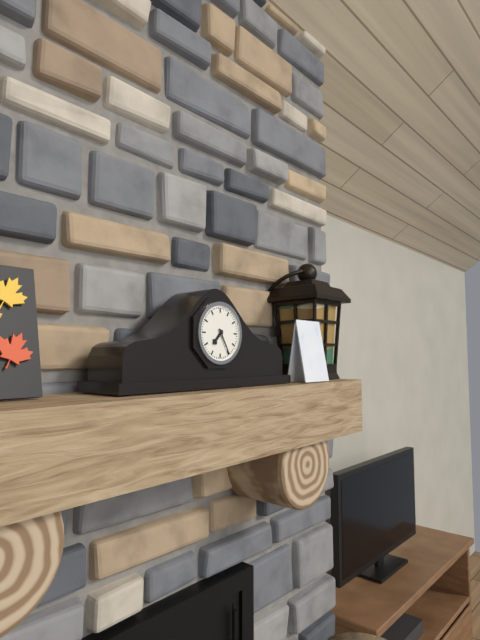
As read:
h=7 m=25
